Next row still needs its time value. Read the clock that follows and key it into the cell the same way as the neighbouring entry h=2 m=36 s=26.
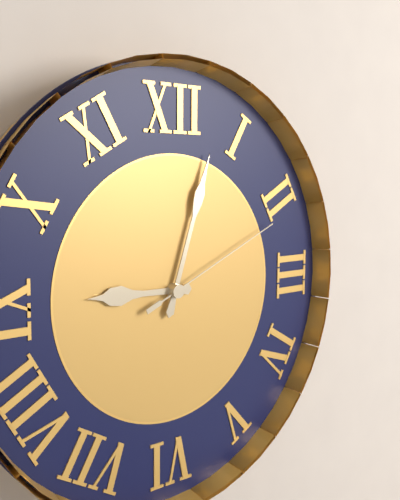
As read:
h=9 m=3 s=11
